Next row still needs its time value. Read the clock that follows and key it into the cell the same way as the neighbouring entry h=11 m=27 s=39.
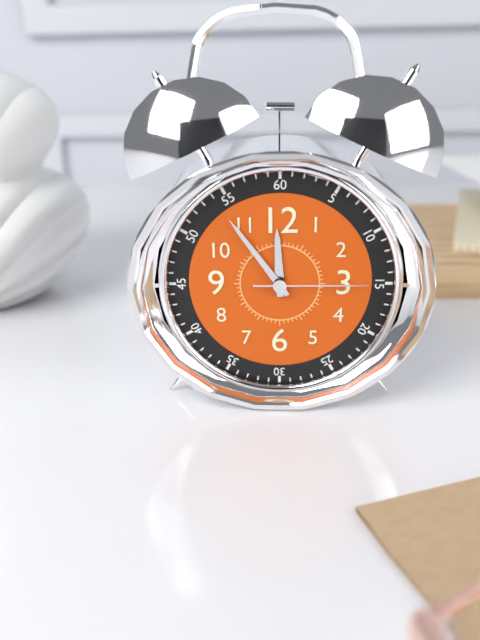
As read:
h=11 m=54 s=15
